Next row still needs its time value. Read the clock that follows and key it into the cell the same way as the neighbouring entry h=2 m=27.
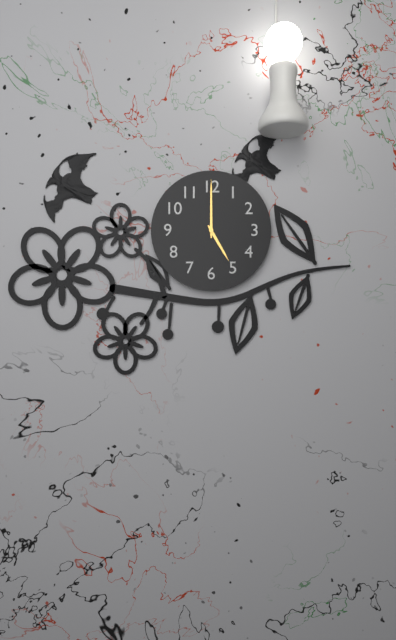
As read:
h=5 m=0
